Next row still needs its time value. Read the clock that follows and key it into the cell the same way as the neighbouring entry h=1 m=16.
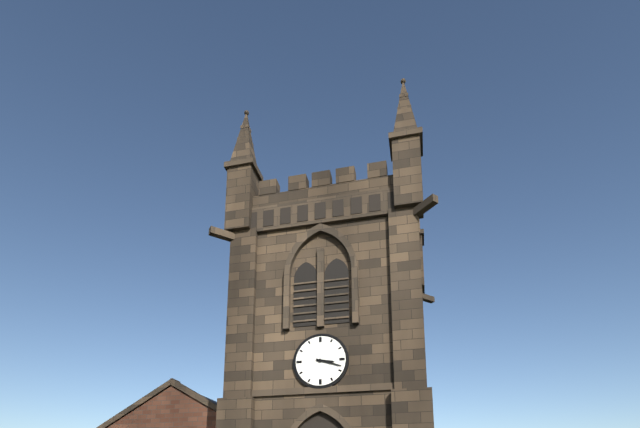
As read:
h=3 m=18
